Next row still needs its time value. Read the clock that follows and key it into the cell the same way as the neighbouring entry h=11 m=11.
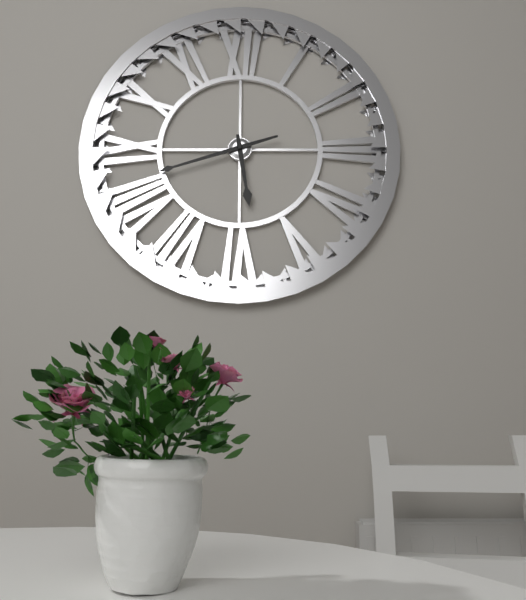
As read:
h=5 m=42
